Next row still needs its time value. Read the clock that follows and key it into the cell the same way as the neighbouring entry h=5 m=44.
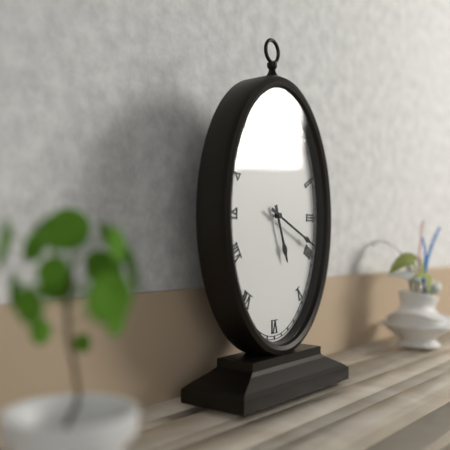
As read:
h=5 m=19
